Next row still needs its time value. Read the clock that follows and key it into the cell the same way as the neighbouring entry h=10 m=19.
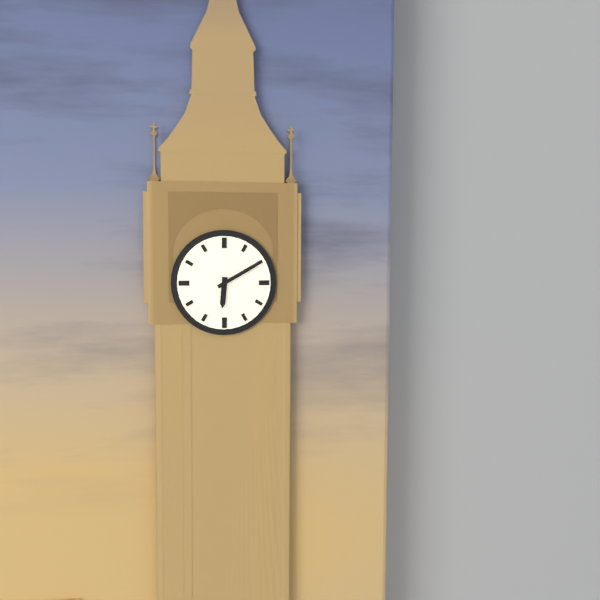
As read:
h=6 m=10
